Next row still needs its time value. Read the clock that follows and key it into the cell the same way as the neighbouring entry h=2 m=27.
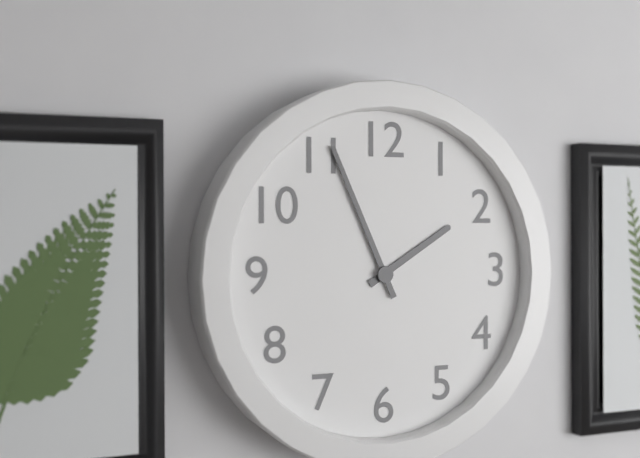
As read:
h=1 m=56
